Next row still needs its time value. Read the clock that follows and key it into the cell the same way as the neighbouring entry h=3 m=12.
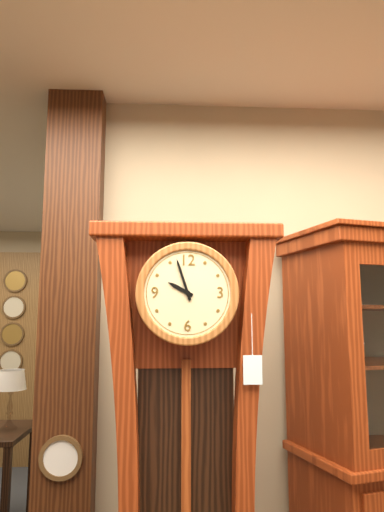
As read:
h=9 m=57
